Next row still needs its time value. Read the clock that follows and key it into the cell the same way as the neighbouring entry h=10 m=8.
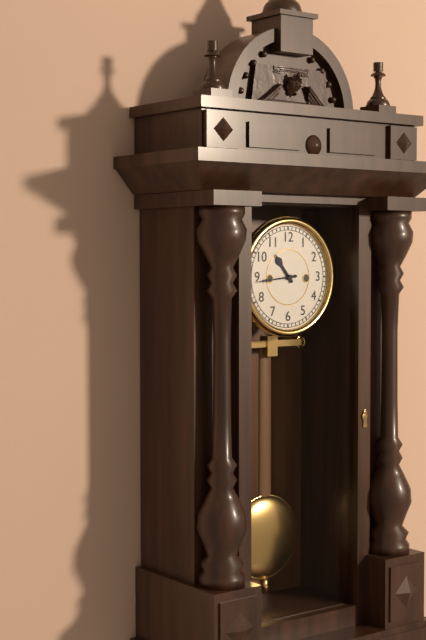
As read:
h=10 m=44
